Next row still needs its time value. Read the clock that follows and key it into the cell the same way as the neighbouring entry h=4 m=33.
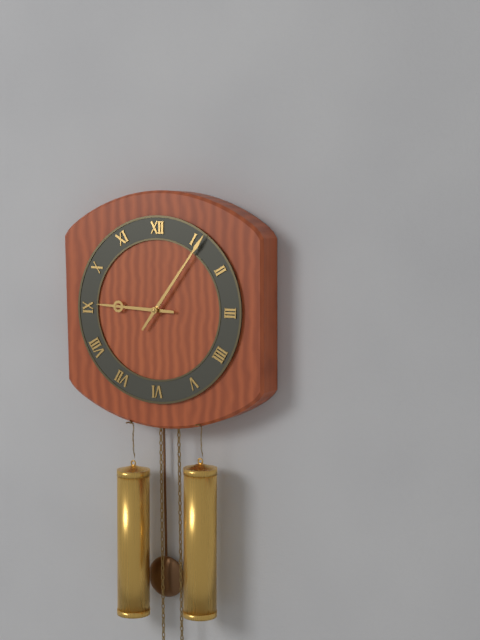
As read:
h=9 m=6
